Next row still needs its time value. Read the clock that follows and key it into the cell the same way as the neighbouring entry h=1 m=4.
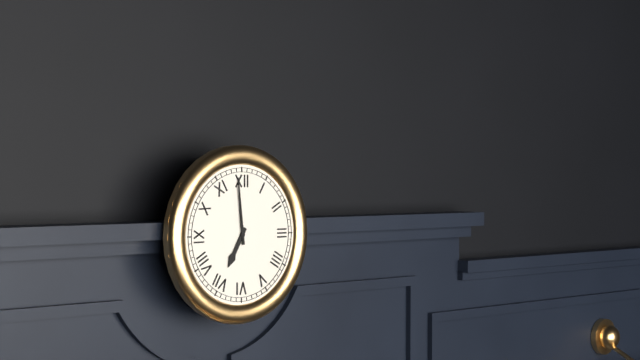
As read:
h=6 m=59
